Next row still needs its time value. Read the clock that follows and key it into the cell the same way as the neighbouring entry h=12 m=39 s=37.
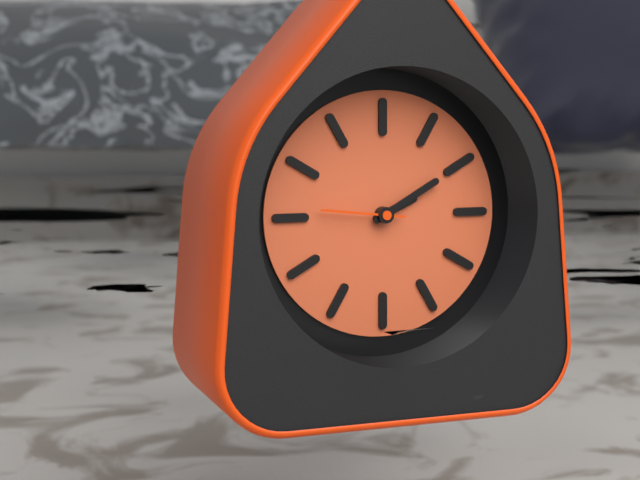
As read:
h=2 m=10 s=46
